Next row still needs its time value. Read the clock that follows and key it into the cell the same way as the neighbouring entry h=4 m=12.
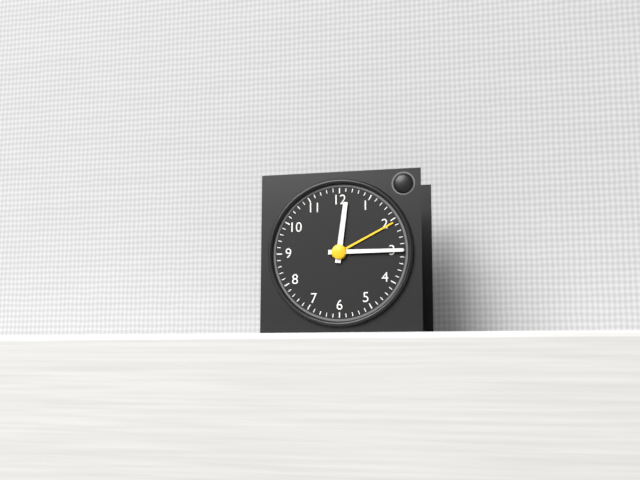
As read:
h=12 m=15
